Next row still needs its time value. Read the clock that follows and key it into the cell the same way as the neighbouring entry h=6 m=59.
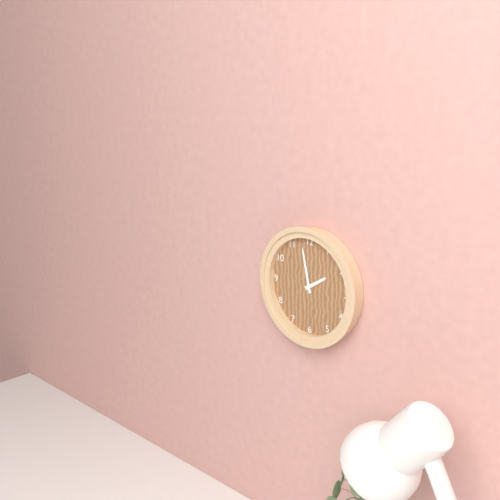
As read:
h=1 m=58
